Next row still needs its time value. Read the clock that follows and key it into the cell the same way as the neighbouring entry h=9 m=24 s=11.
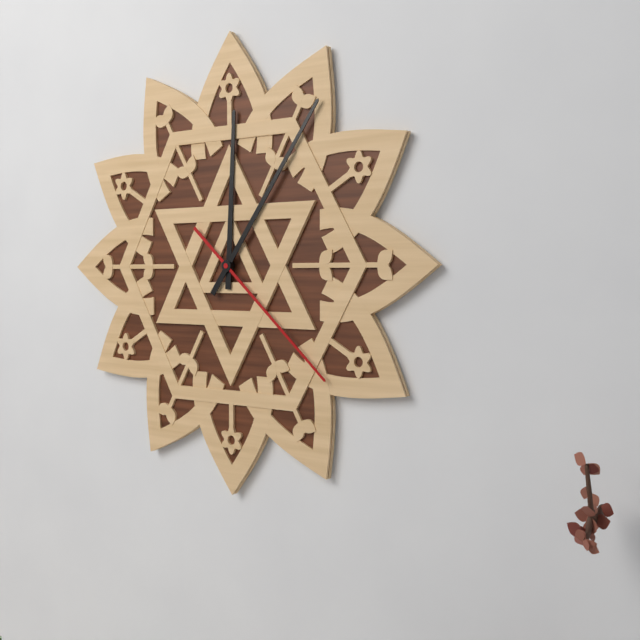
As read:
h=12 m=6 s=22
